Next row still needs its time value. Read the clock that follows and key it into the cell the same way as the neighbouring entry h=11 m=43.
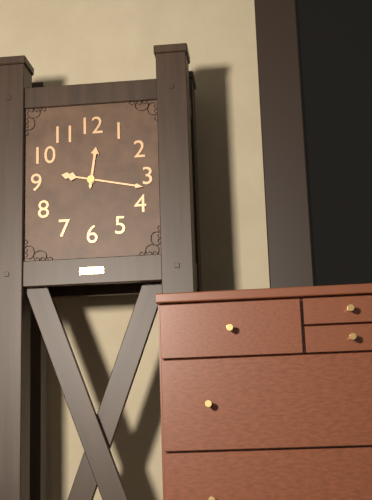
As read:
h=12 m=17
